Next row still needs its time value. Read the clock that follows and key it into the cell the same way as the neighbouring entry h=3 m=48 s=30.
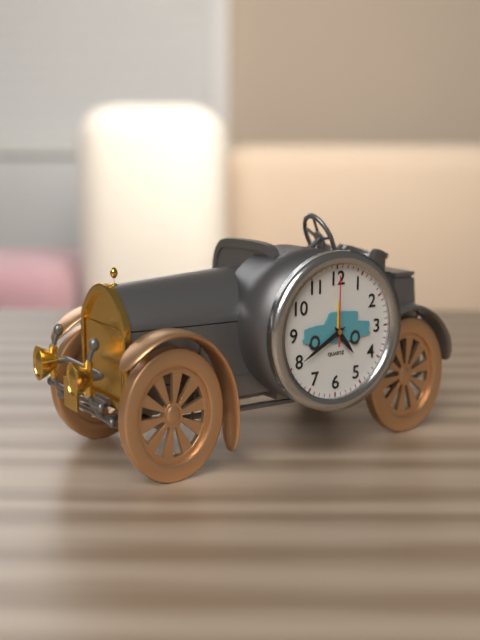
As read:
h=4 m=40 s=0
